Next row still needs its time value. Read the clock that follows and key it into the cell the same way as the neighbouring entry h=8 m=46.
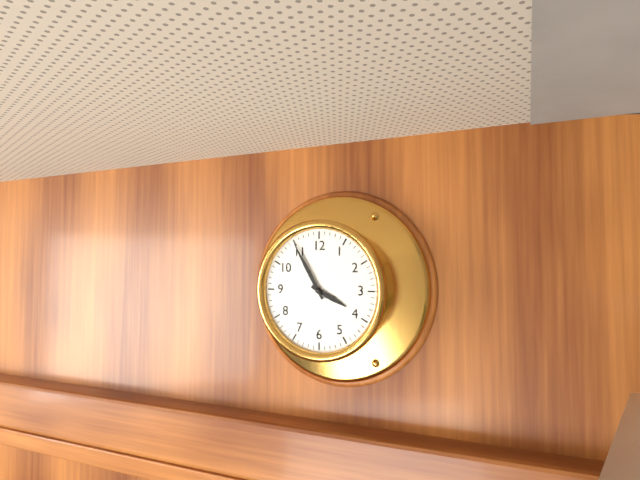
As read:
h=3 m=55
